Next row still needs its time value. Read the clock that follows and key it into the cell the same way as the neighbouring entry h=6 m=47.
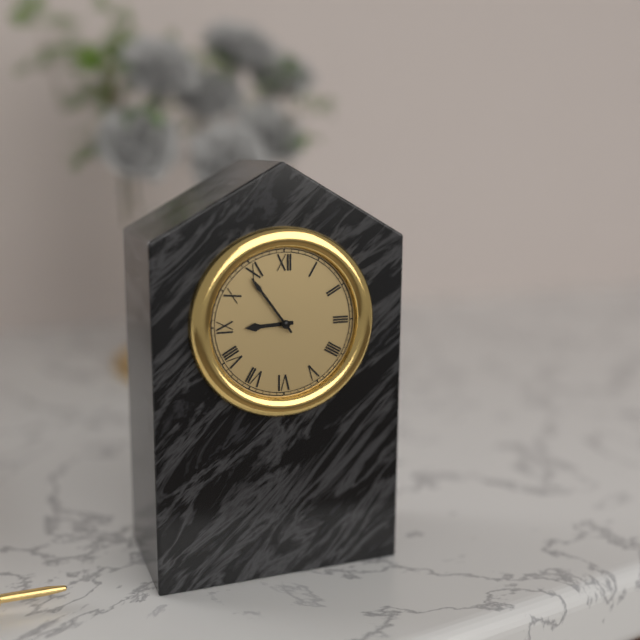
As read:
h=8 m=54
